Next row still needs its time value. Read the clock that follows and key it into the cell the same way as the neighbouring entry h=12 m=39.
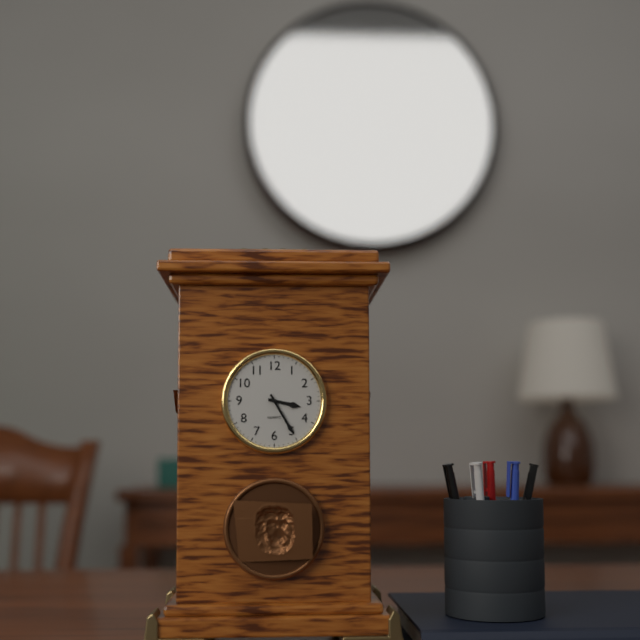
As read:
h=3 m=25
